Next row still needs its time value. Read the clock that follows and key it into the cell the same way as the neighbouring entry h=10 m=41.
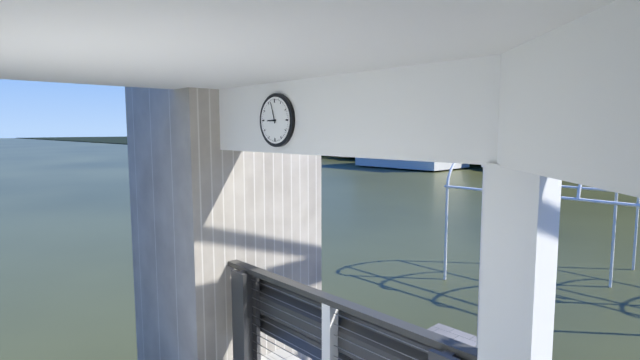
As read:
h=8 m=57
